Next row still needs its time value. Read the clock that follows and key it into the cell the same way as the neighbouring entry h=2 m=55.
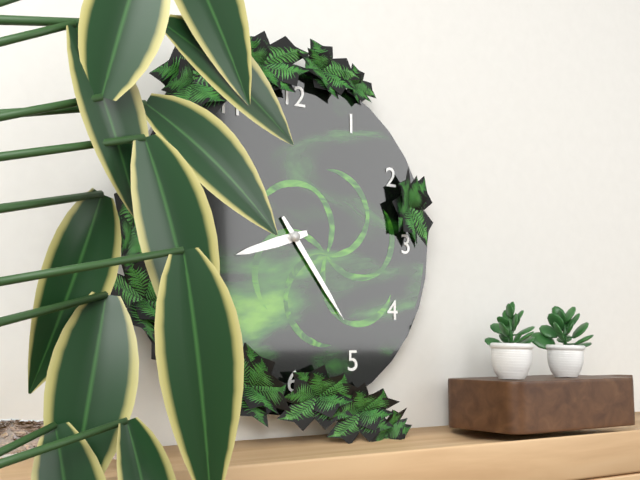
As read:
h=8 m=24
